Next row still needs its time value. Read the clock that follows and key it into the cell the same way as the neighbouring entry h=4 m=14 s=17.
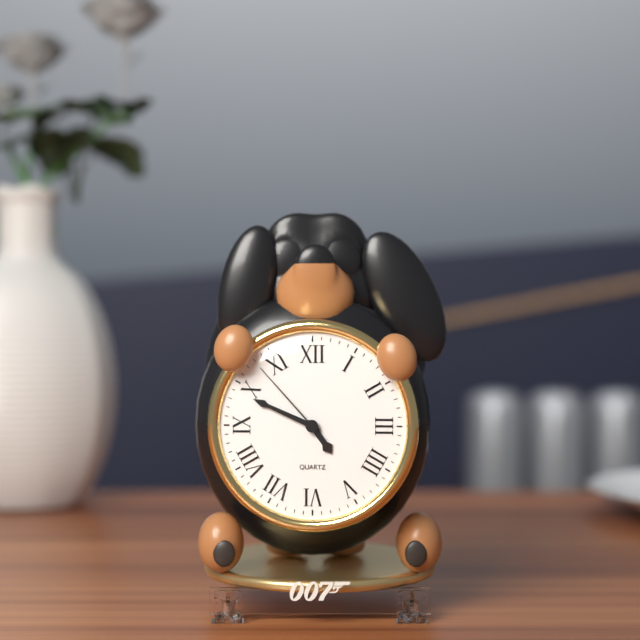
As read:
h=4 m=49 s=53
